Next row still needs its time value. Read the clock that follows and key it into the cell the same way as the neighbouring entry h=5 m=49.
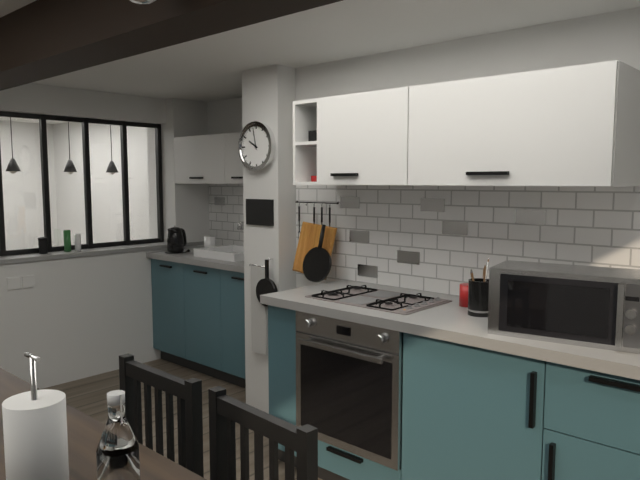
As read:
h=9 m=58
